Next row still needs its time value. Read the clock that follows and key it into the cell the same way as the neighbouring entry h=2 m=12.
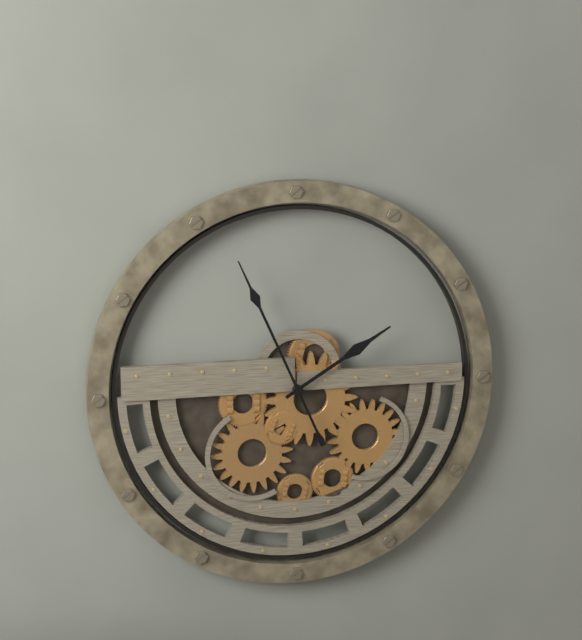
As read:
h=1 m=56
